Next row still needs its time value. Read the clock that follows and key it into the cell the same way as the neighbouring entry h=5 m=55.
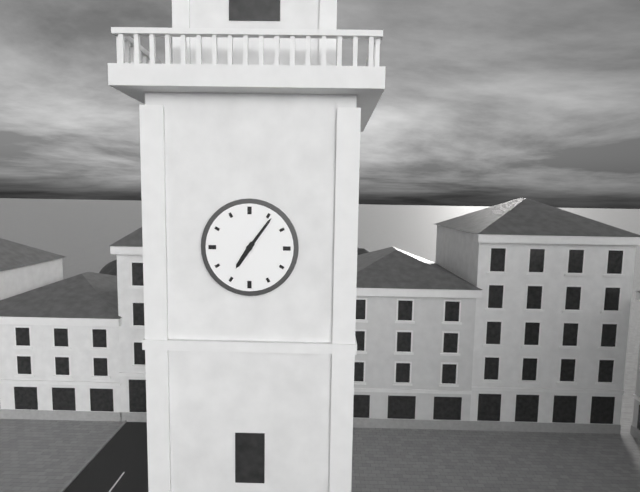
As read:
h=7 m=6
